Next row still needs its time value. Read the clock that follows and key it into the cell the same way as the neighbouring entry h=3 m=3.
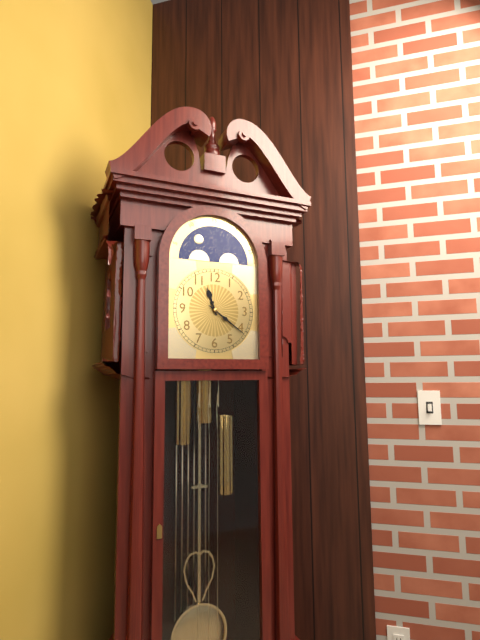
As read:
h=11 m=21
